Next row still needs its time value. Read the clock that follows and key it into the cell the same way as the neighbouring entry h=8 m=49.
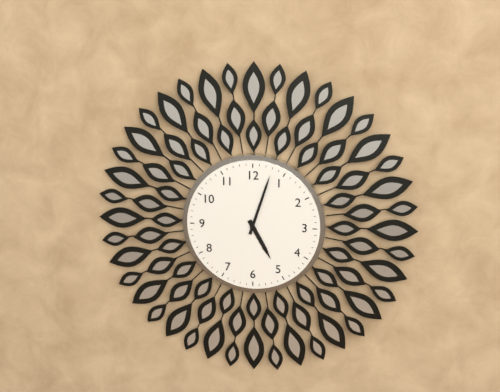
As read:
h=5 m=3
